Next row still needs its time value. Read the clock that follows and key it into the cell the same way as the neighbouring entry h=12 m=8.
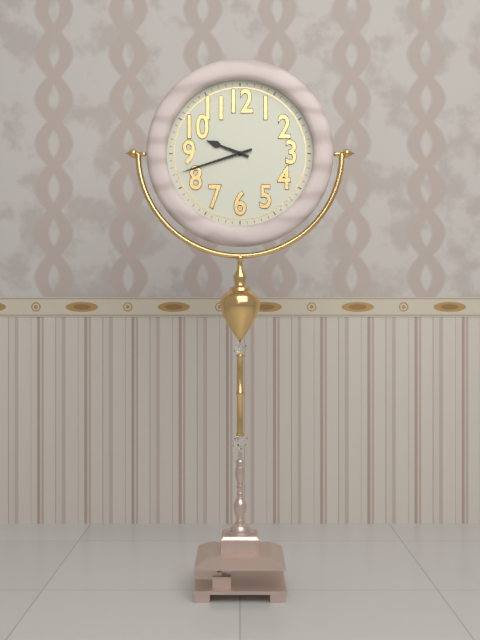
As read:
h=9 m=42
